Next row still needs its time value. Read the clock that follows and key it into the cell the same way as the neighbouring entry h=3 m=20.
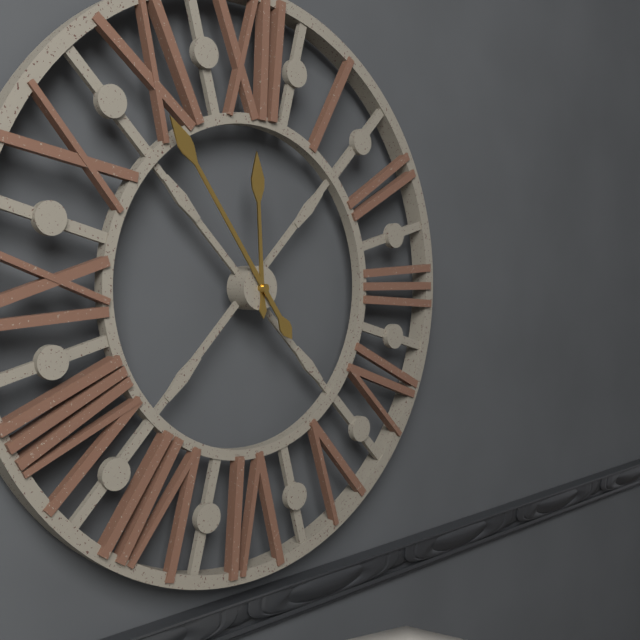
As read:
h=11 m=54
